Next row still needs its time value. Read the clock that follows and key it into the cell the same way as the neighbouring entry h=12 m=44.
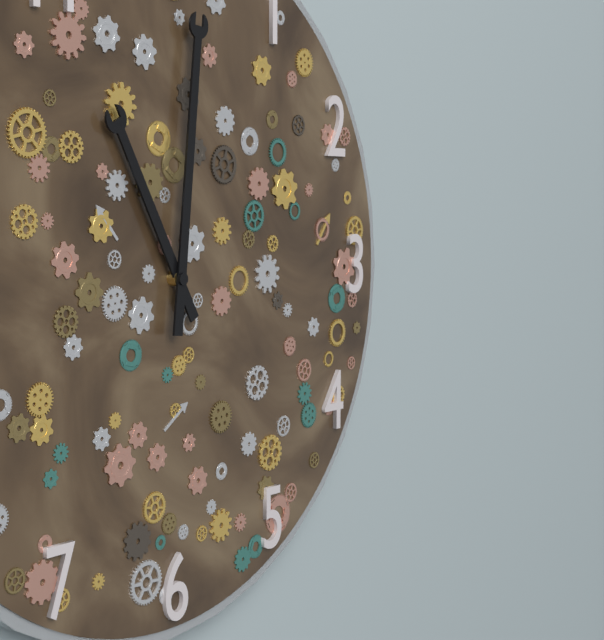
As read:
h=11 m=1
